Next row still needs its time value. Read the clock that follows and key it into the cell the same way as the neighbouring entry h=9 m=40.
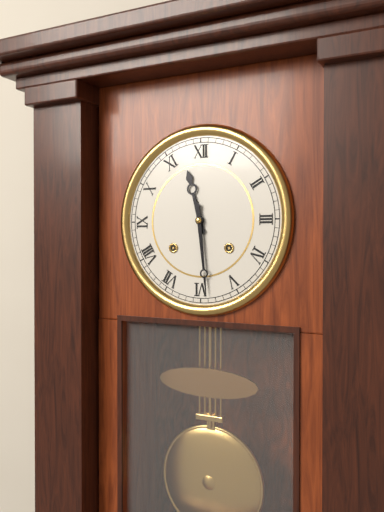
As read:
h=11 m=29
